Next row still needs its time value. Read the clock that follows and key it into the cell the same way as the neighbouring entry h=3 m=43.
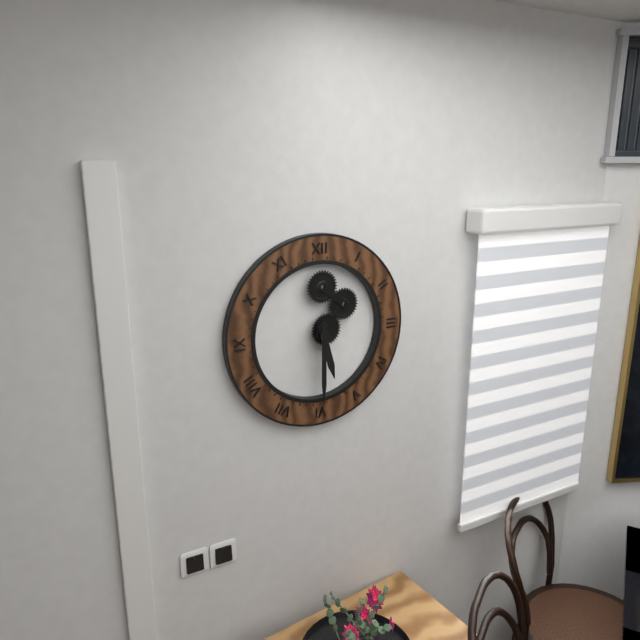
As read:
h=5 m=30
